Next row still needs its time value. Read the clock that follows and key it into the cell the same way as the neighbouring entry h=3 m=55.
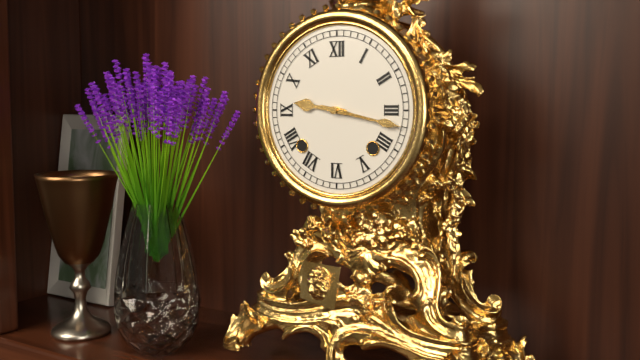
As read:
h=9 m=17
